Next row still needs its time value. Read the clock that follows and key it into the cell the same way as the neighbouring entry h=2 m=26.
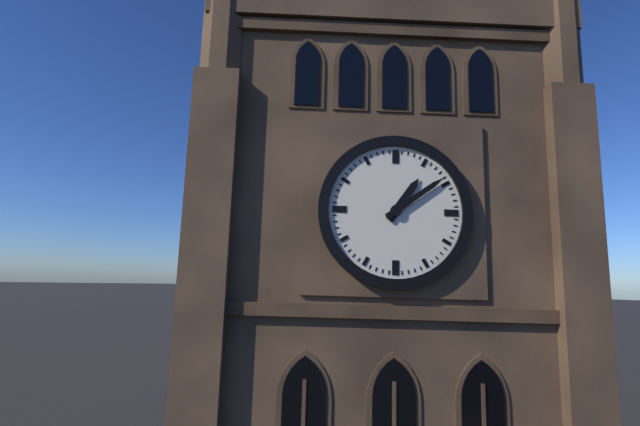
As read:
h=1 m=9
